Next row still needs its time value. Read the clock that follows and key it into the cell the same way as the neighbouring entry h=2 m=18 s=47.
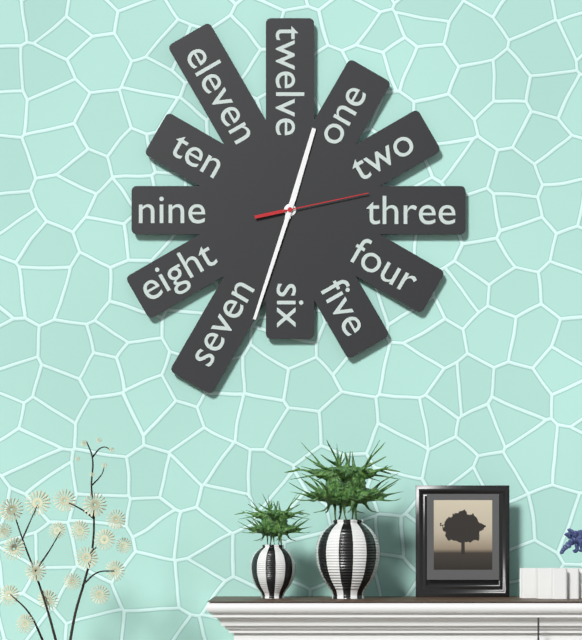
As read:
h=12 m=33 s=13
